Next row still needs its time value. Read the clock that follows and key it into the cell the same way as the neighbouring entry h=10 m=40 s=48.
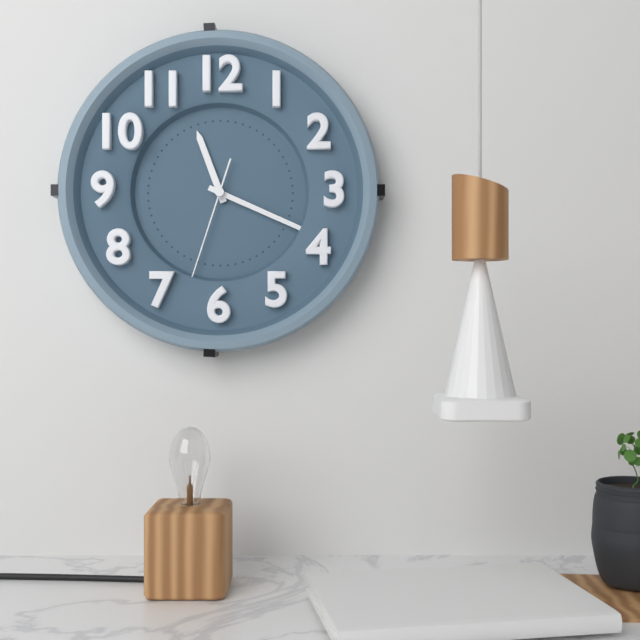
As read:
h=11 m=19 s=33
